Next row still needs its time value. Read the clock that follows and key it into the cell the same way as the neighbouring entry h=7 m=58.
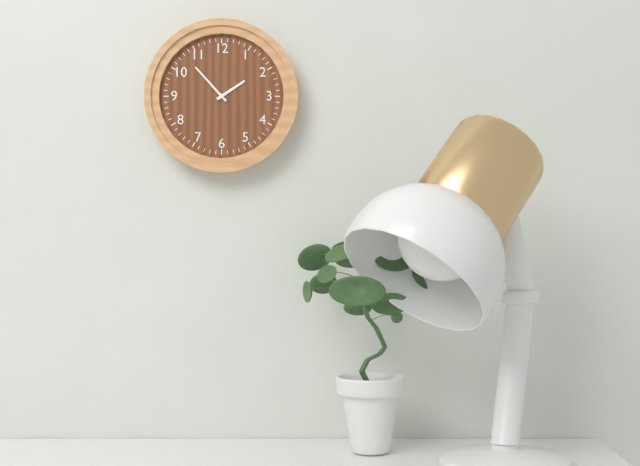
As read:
h=1 m=53
